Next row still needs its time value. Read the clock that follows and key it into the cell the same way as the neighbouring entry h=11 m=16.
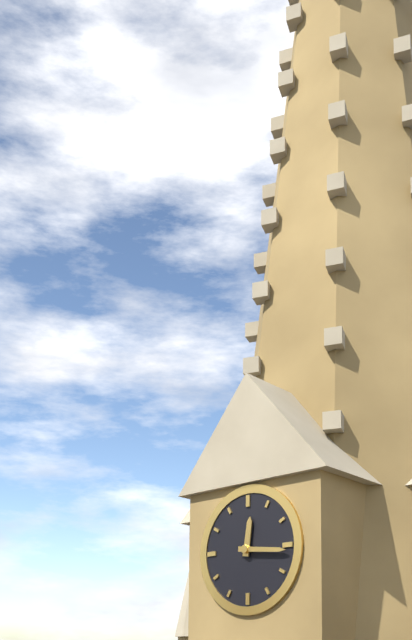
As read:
h=12 m=16
